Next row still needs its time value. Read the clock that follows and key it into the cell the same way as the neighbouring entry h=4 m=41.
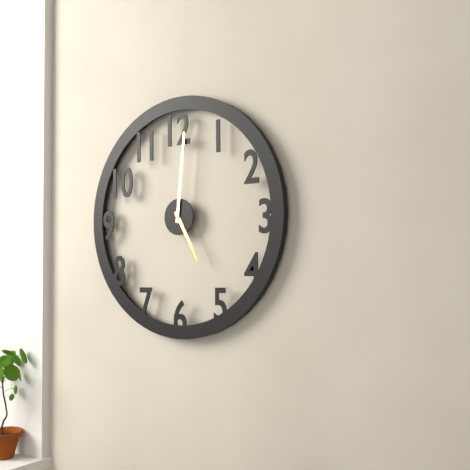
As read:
h=5 m=1
